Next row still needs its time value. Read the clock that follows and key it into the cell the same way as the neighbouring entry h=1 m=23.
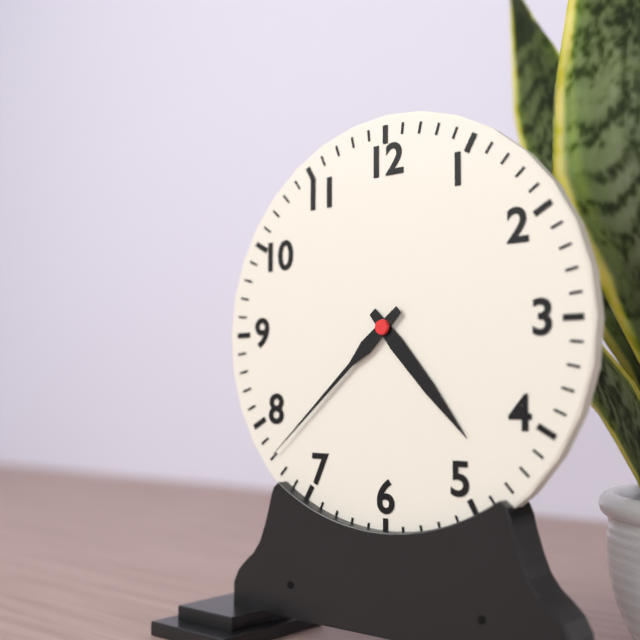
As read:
h=4 m=38
